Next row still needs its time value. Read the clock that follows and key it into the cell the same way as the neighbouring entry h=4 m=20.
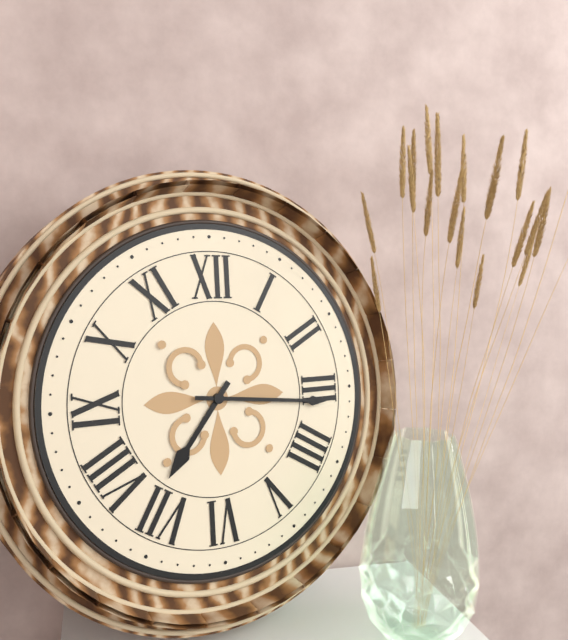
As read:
h=7 m=16
